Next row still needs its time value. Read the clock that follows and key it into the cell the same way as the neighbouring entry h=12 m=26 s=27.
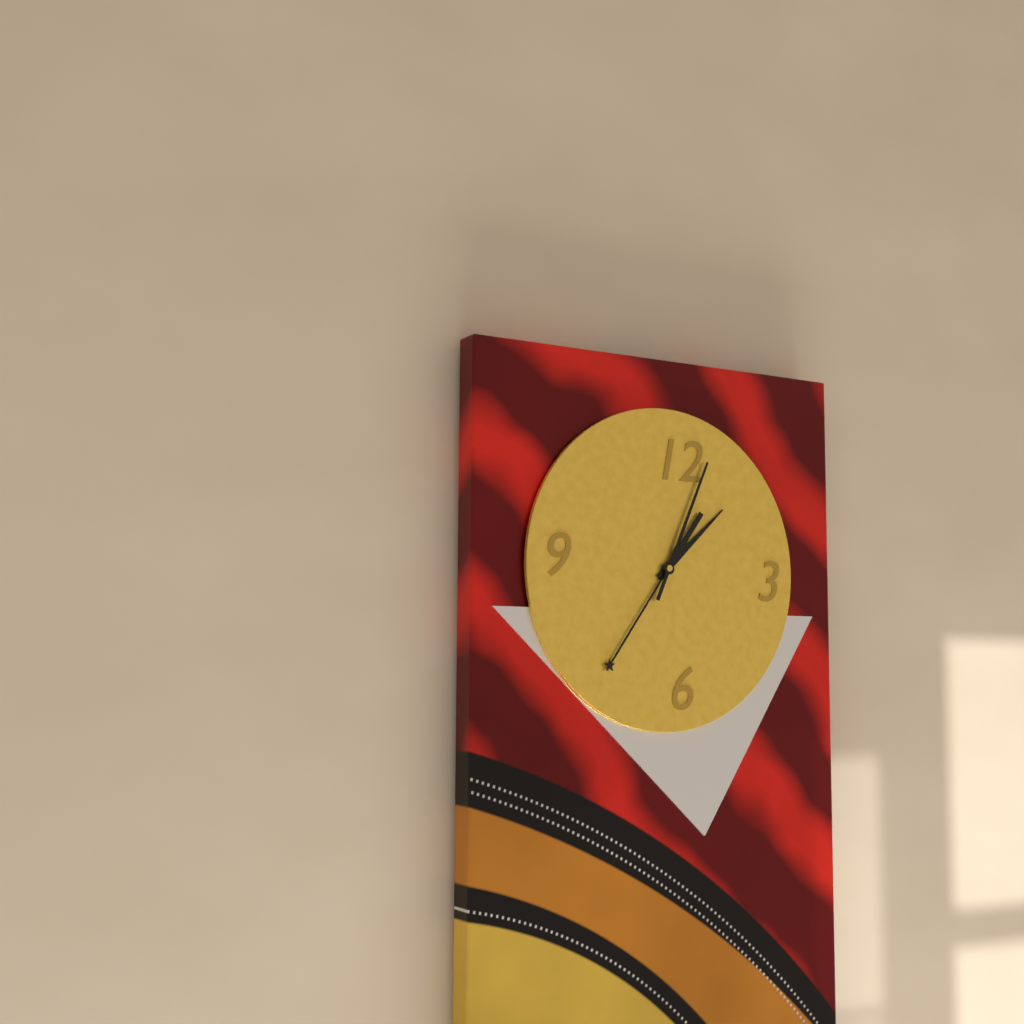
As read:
h=1 m=36 s=4
